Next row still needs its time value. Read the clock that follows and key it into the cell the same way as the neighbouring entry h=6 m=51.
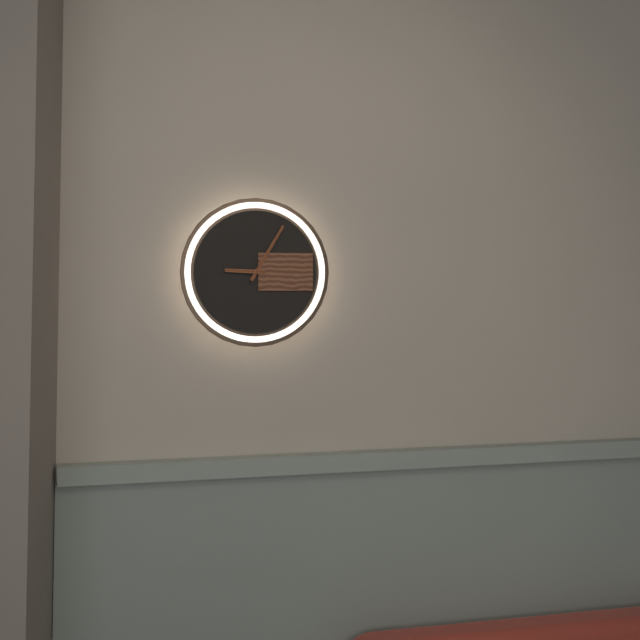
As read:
h=9 m=5
